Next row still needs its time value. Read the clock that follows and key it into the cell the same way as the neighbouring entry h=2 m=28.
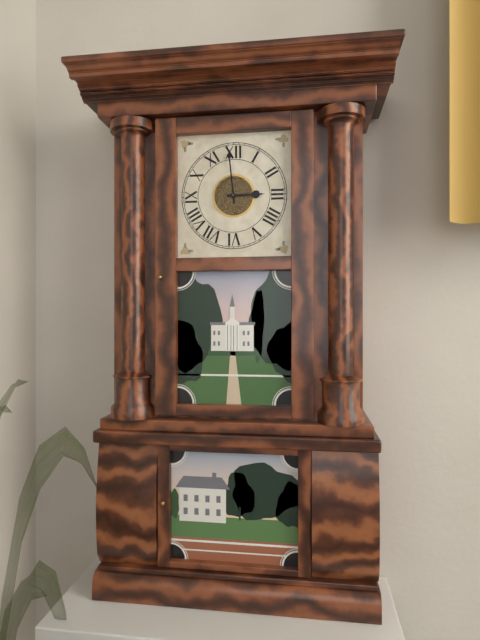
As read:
h=2 m=59
